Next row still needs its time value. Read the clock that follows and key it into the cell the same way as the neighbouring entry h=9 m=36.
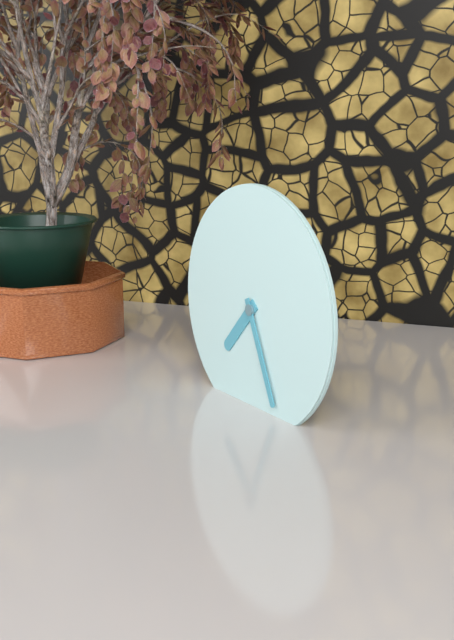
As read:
h=7 m=26
